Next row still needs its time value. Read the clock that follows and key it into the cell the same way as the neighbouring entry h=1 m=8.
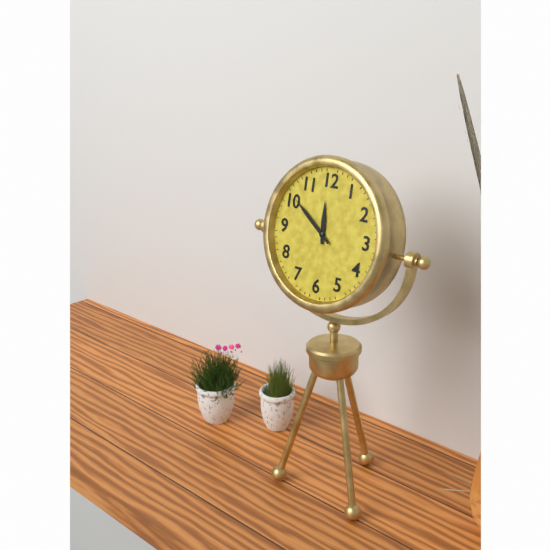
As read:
h=11 m=51
